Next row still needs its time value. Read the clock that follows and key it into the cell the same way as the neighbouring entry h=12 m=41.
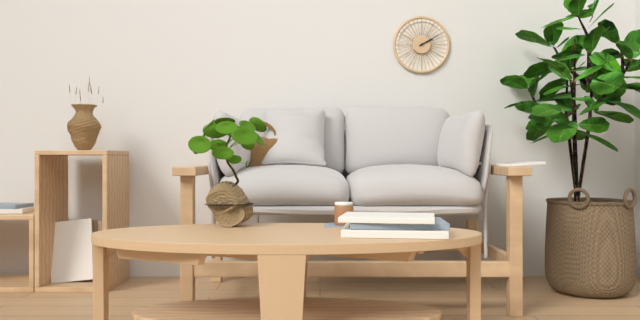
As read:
h=2 m=10
